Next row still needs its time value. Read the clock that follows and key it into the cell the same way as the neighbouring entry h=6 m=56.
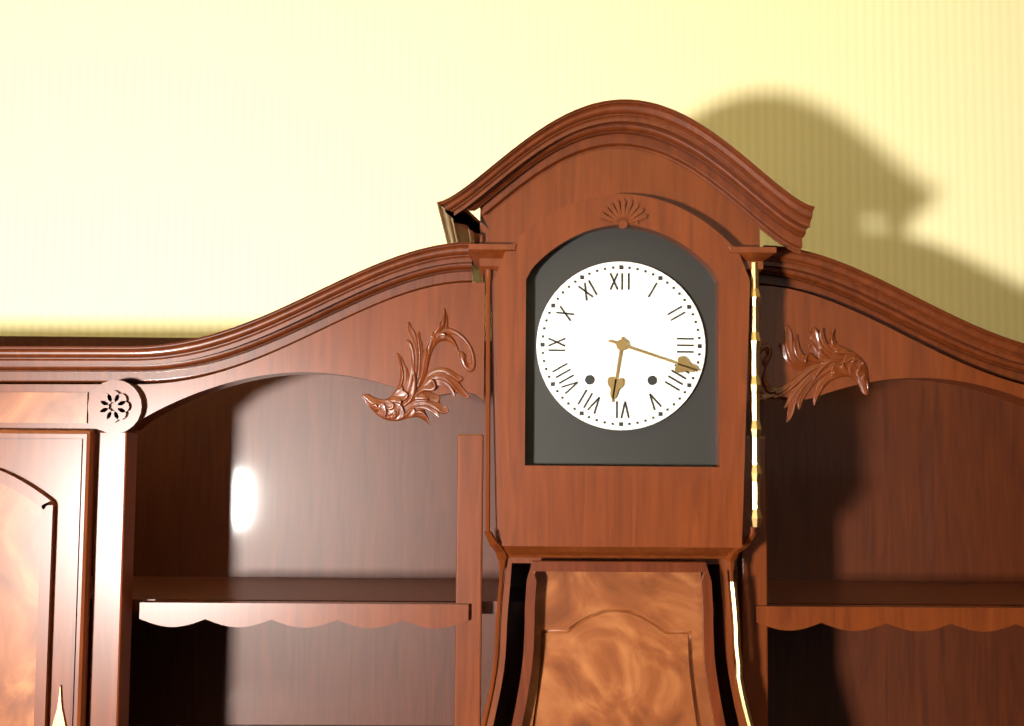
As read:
h=6 m=18
